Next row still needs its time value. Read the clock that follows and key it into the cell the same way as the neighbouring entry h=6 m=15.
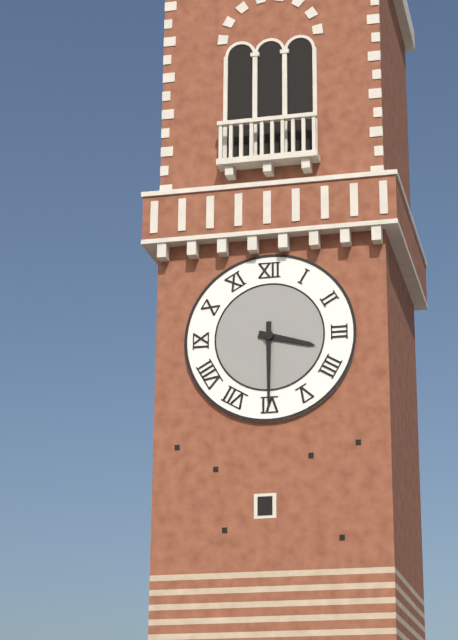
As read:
h=3 m=30
